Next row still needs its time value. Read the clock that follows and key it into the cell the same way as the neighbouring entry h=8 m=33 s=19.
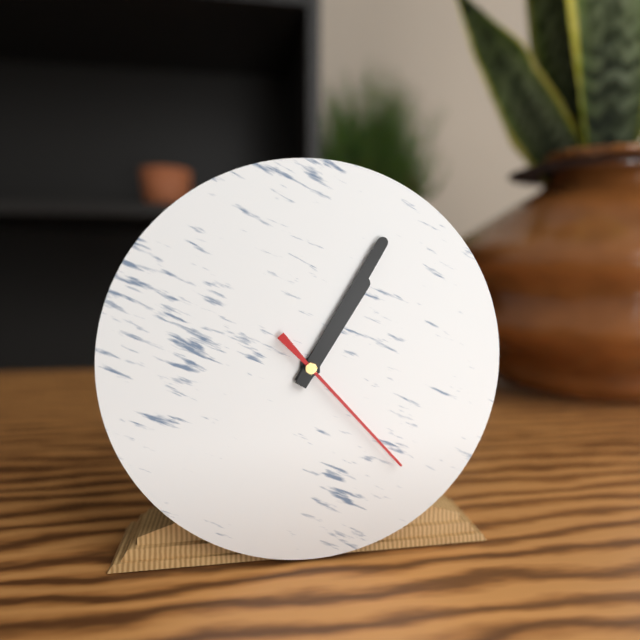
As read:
h=1 m=5 s=23
